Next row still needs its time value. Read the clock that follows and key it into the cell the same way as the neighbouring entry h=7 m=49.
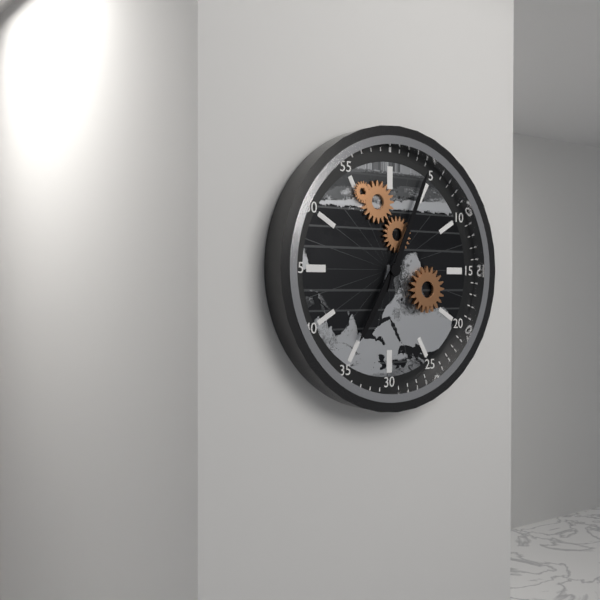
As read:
h=7 m=4
